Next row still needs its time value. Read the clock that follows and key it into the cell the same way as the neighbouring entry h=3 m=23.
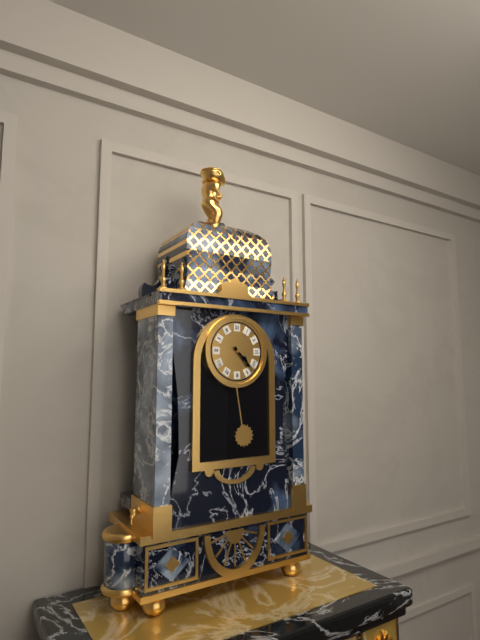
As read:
h=4 m=23
